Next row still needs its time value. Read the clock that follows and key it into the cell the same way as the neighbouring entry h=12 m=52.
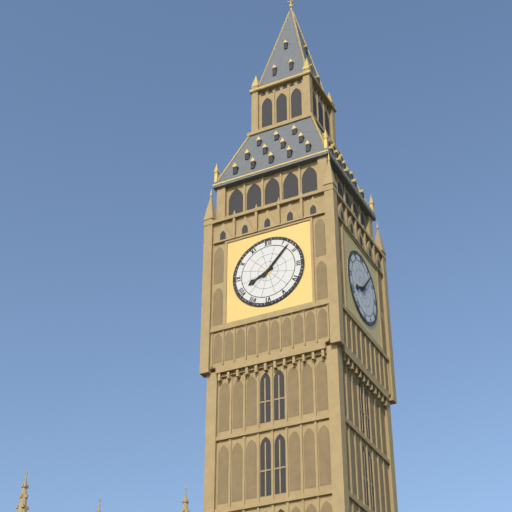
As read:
h=8 m=7
